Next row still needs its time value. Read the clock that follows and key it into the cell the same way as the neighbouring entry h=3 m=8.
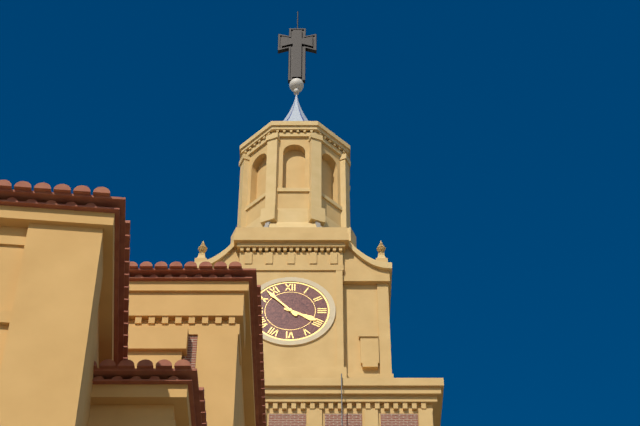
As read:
h=3 m=53
